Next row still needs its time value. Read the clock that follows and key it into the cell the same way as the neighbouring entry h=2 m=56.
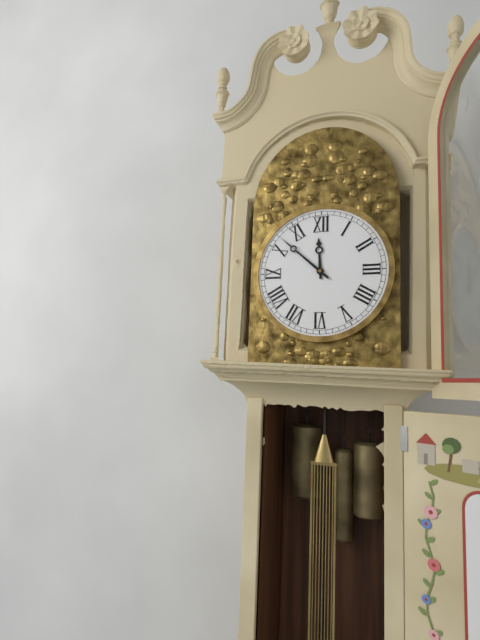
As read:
h=11 m=52
